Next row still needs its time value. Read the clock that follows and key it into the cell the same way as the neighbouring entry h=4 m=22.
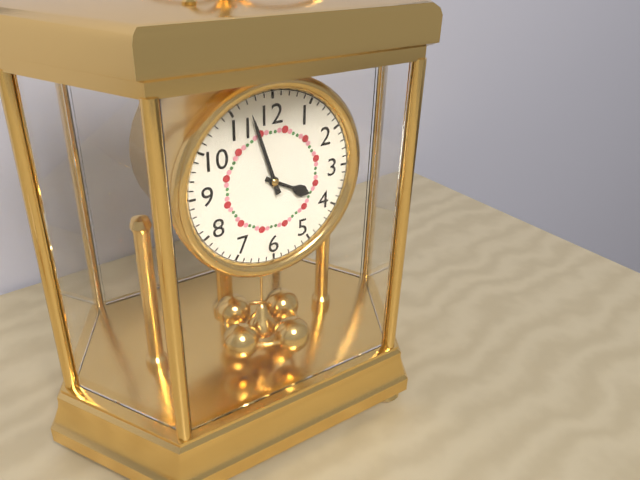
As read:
h=3 m=57
